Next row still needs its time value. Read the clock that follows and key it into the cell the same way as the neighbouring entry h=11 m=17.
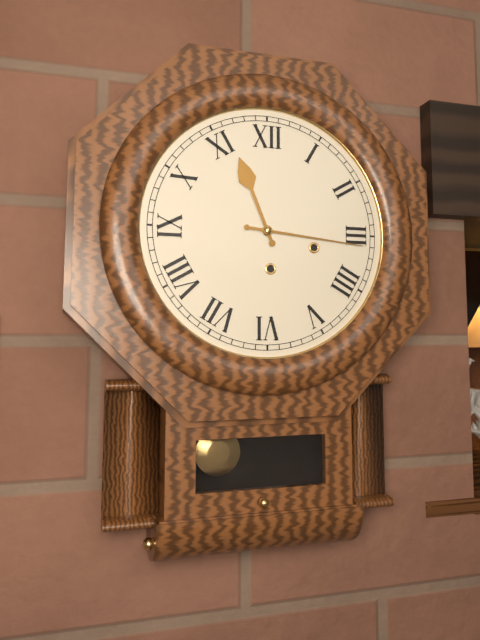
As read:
h=11 m=16
